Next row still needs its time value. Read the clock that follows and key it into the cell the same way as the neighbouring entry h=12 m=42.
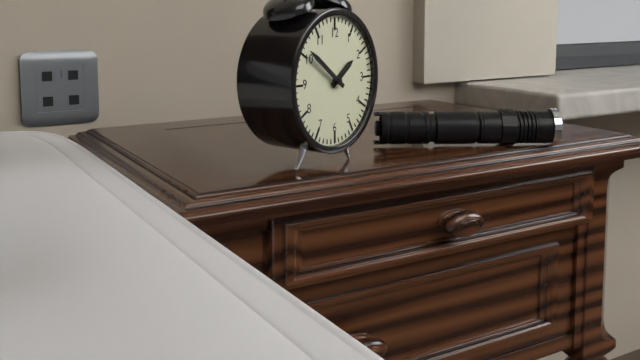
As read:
h=1 m=51
